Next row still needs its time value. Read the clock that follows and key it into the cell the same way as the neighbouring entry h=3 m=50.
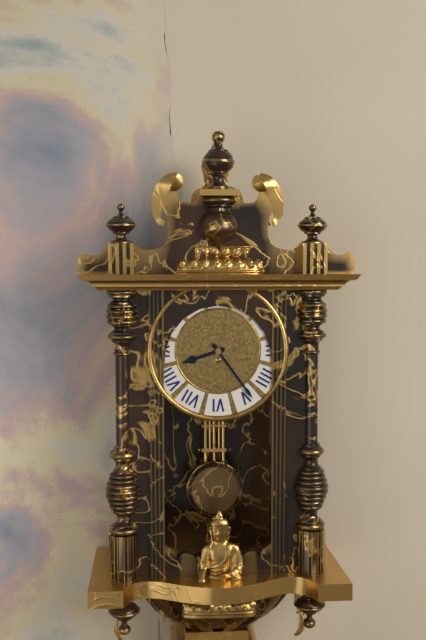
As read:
h=8 m=24
